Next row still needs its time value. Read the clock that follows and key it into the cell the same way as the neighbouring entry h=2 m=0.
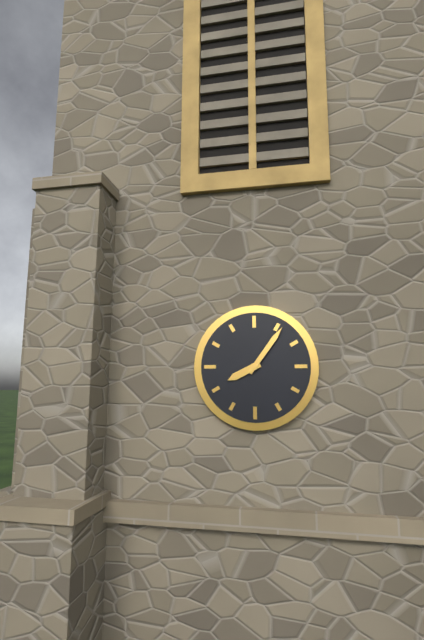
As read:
h=8 m=6
